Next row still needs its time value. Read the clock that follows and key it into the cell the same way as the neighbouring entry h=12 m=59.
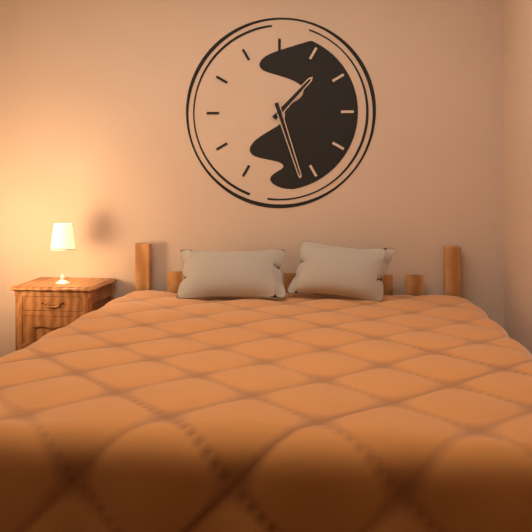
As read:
h=1 m=27
